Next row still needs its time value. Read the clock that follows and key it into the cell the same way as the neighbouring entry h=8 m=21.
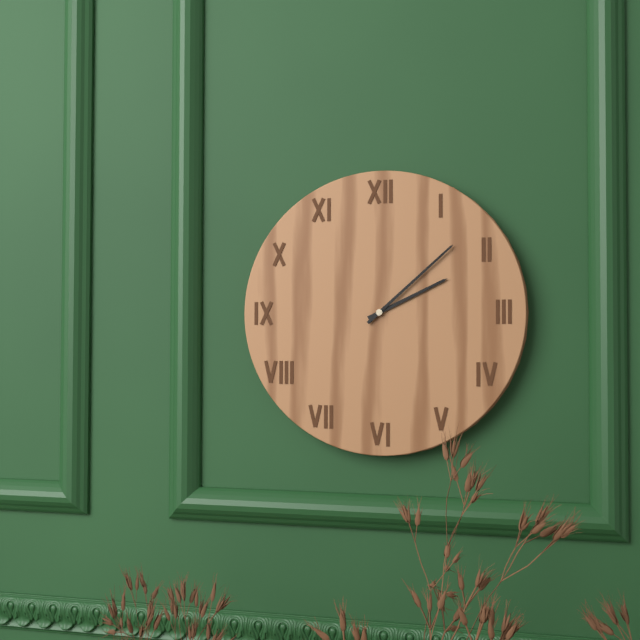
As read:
h=2 m=8
